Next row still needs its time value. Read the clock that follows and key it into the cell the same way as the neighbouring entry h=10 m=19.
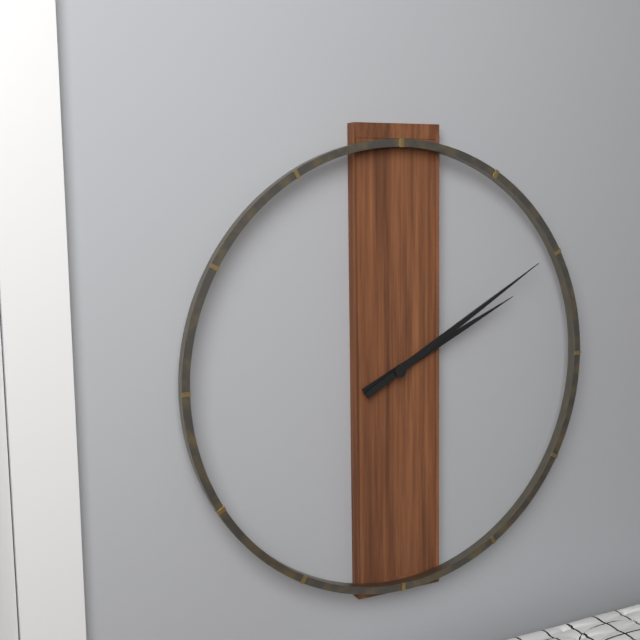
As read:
h=2 m=10
